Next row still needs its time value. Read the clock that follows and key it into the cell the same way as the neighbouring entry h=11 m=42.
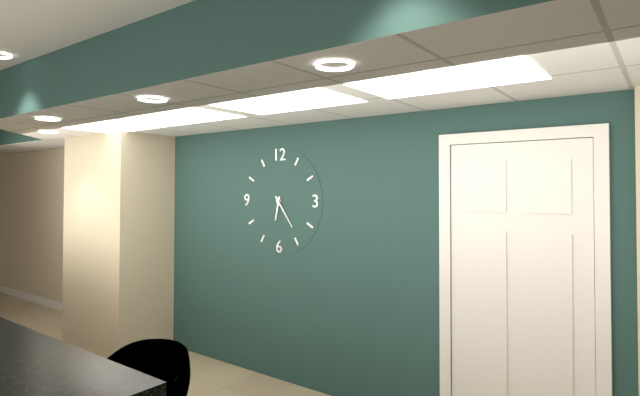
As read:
h=6 m=24
